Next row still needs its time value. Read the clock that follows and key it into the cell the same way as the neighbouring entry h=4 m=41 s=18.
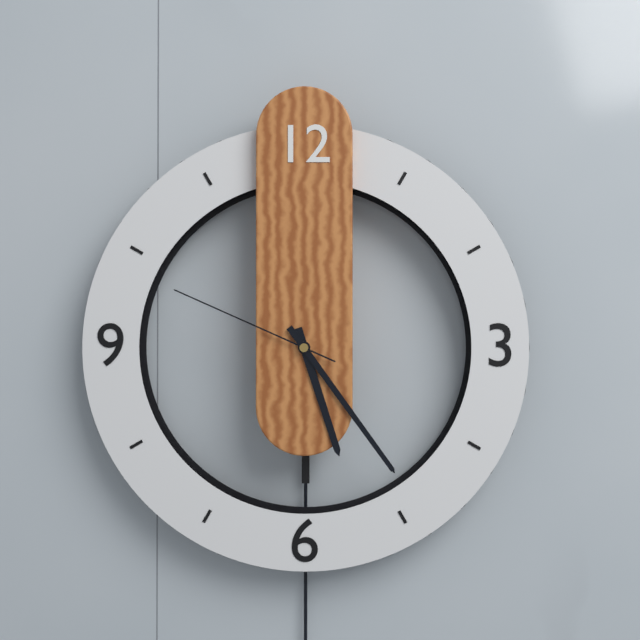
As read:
h=5 m=24 s=49
